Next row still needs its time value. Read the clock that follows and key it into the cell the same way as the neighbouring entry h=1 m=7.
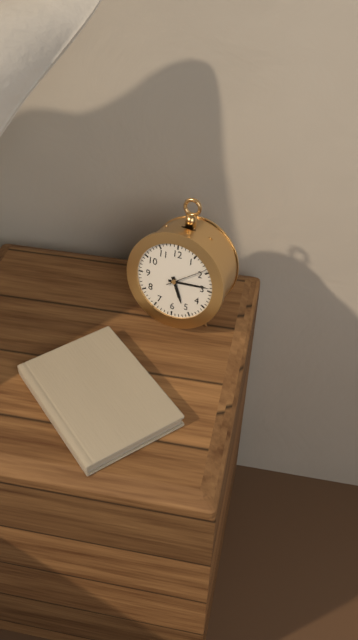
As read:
h=5 m=14
